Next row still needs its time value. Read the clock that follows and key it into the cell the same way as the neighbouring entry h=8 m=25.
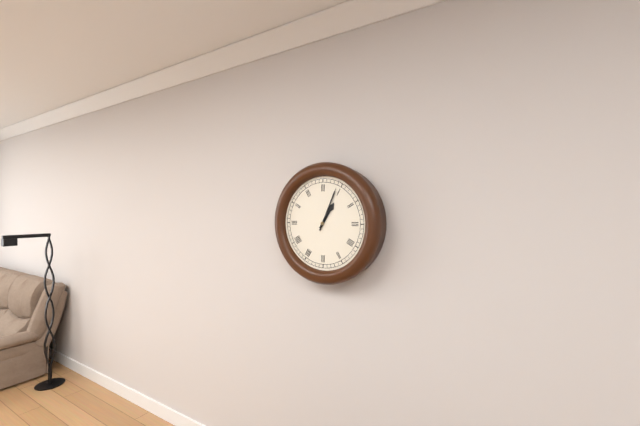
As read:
h=1 m=4
